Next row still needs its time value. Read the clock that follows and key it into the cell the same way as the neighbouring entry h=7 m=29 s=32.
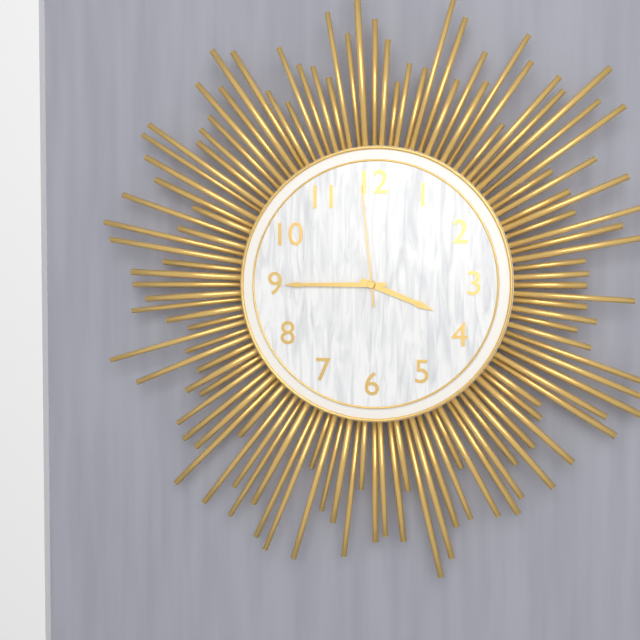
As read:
h=3 m=45 s=59
